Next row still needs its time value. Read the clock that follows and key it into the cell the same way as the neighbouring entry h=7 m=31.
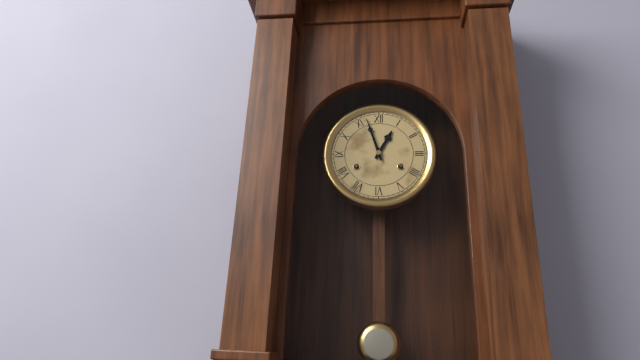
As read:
h=12 m=57
